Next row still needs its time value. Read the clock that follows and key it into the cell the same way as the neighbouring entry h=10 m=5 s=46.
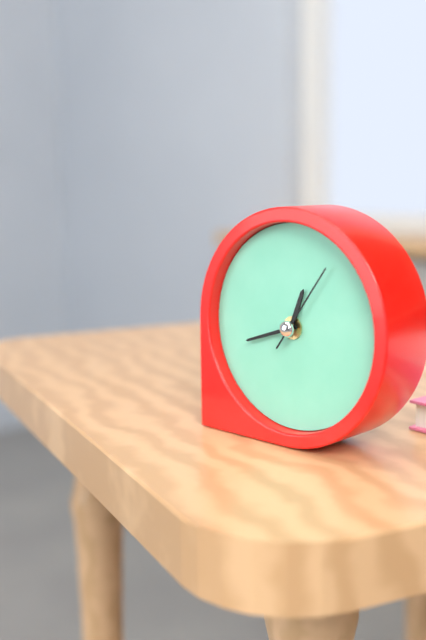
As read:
h=12 m=42 s=6
